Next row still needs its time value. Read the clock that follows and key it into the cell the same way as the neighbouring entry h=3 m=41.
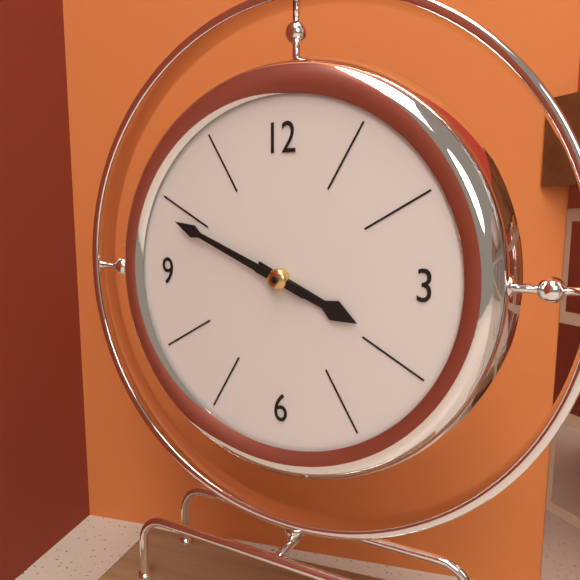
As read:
h=3 m=49
